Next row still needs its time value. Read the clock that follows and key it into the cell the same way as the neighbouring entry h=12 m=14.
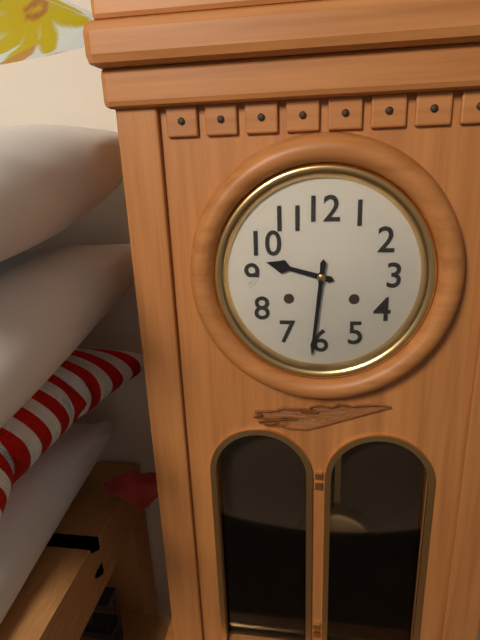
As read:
h=9 m=31
